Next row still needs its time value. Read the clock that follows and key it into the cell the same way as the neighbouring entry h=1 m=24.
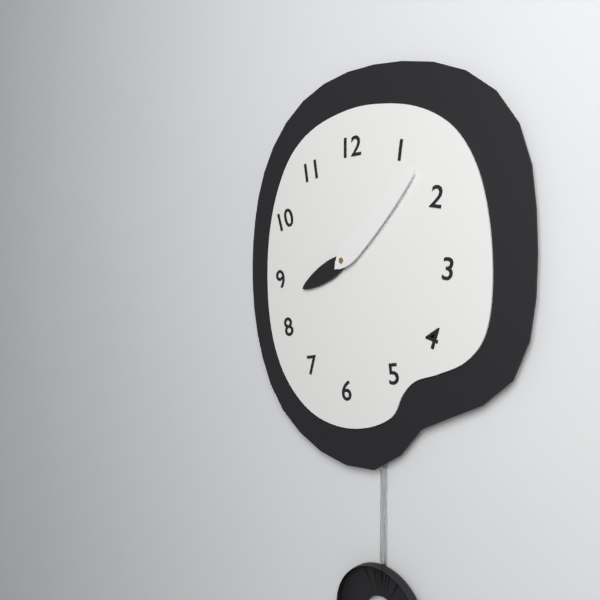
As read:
h=8 m=8
